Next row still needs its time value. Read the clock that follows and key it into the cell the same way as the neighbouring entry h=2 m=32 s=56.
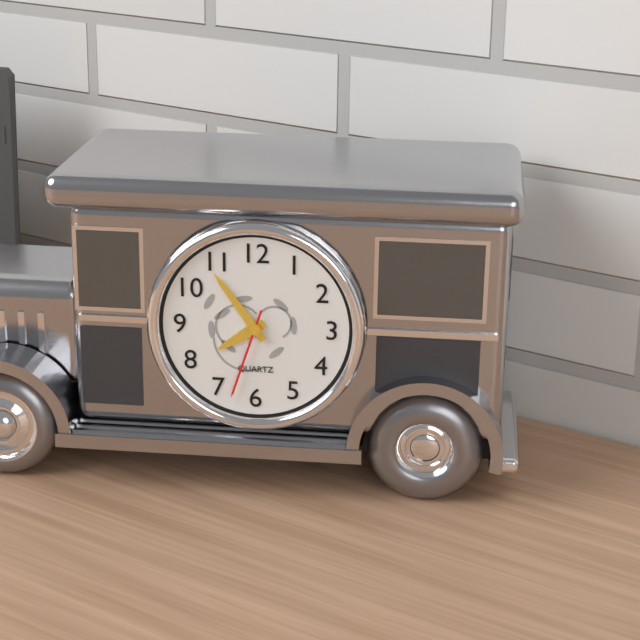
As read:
h=7 m=54 s=33
